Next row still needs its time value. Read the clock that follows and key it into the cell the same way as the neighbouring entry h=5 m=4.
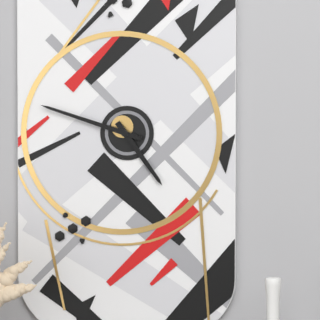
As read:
h=4 m=48
